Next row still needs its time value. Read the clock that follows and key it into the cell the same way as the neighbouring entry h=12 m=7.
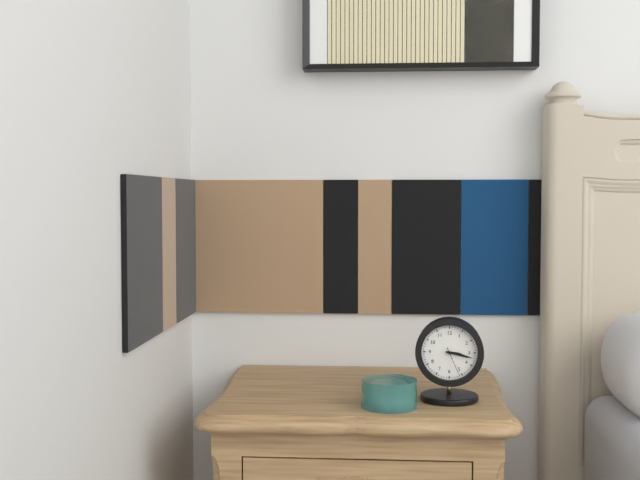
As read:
h=3 m=17
